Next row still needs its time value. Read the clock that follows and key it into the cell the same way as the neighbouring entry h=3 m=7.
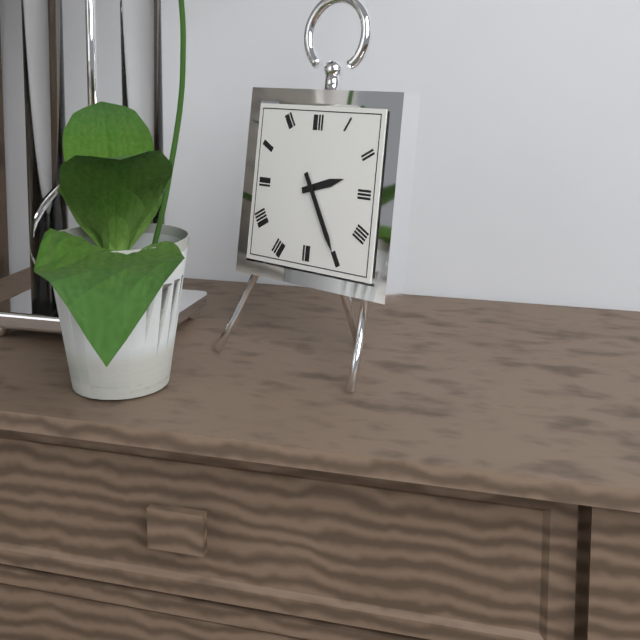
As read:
h=2 m=25
